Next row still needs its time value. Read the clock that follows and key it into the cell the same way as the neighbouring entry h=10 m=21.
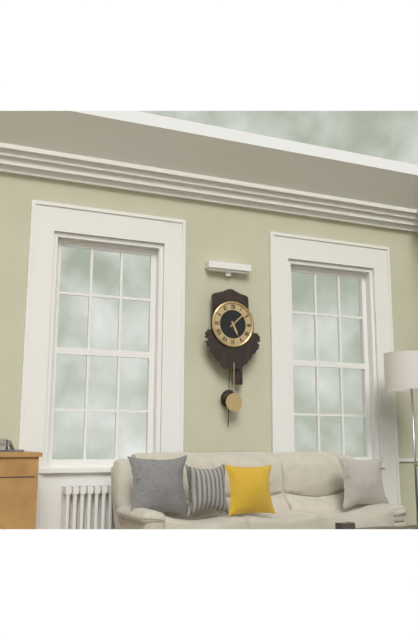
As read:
h=5 m=8
